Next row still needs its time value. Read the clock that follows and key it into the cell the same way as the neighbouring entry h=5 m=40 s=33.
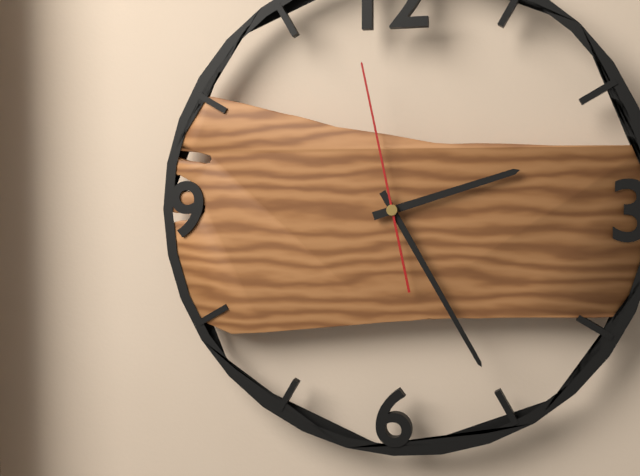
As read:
h=2 m=25 s=58
